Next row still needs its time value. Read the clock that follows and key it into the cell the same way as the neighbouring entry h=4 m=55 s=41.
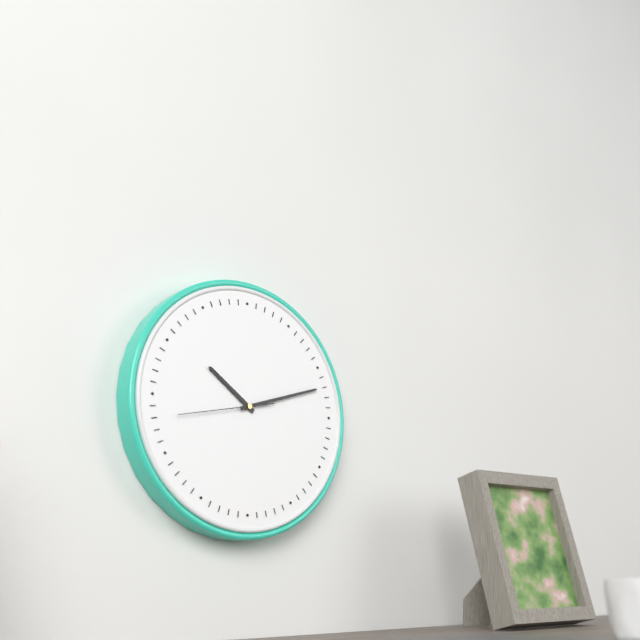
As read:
h=10 m=12 s=43
